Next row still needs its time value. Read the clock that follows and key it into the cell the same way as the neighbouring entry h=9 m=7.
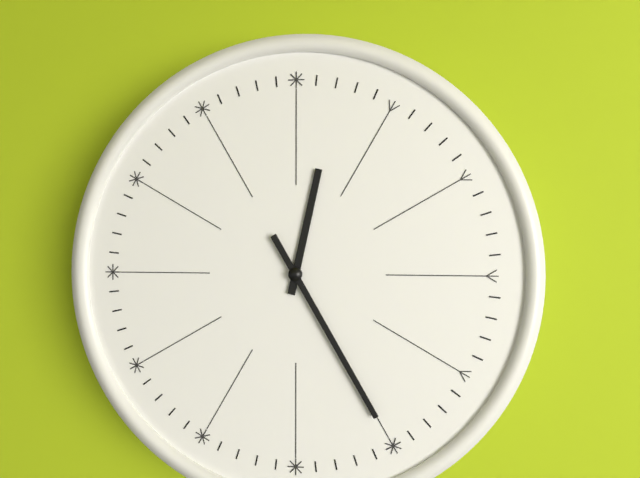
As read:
h=12 m=25
